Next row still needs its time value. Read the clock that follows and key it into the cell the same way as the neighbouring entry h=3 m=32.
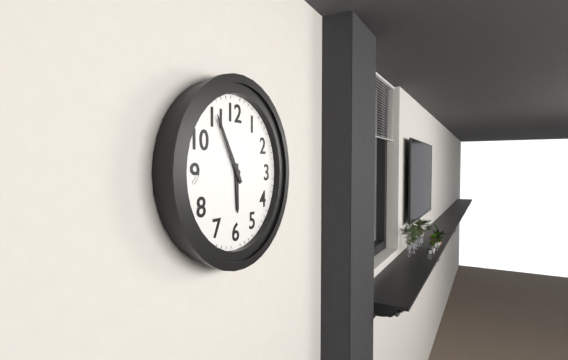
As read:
h=5 m=55
